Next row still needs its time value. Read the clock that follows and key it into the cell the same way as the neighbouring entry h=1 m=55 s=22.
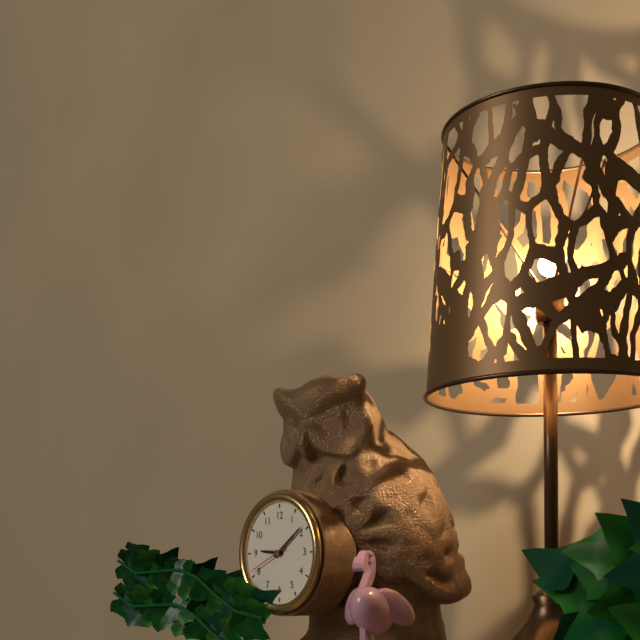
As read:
h=9 m=9 s=41
